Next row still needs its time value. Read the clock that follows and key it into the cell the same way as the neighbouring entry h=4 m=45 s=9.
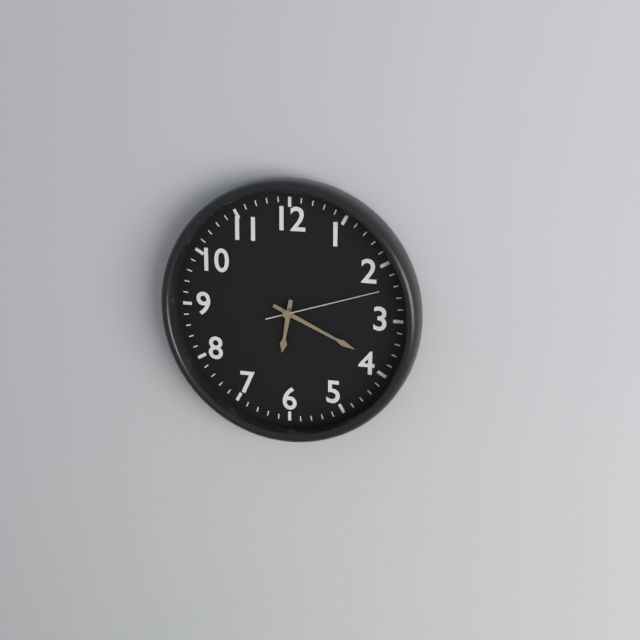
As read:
h=6 m=19 s=12
